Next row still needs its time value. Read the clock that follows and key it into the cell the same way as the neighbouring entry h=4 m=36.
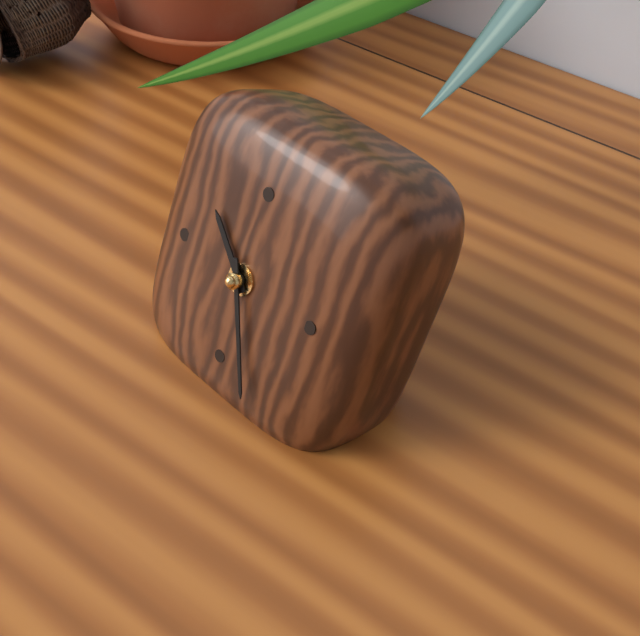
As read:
h=10 m=26
